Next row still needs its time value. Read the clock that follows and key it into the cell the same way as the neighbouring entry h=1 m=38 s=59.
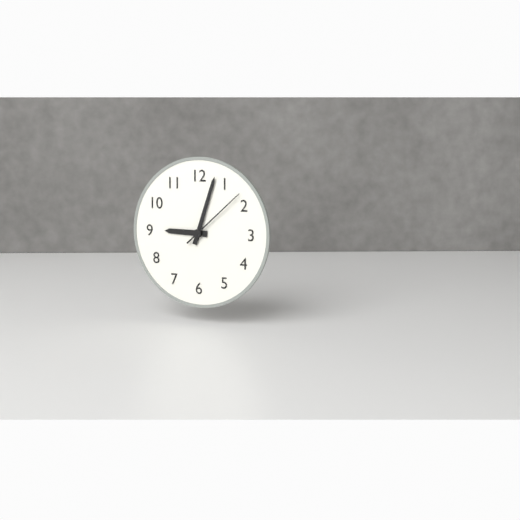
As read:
h=9 m=3 s=8
